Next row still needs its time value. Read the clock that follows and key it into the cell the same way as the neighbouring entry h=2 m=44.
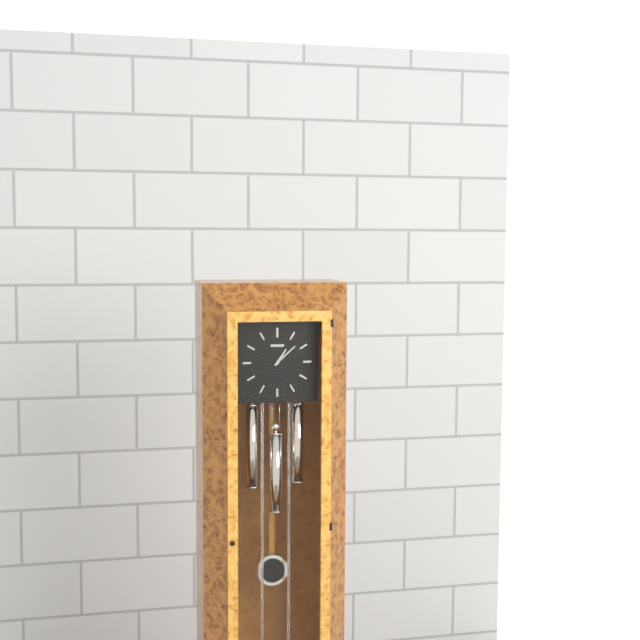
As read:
h=1 m=8
